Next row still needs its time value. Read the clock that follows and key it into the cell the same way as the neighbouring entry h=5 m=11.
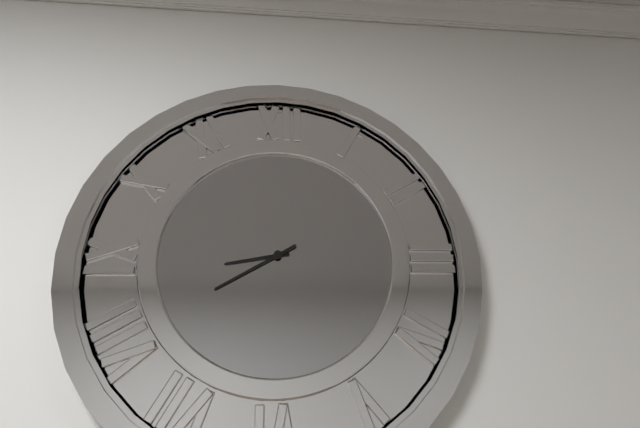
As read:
h=8 m=40
